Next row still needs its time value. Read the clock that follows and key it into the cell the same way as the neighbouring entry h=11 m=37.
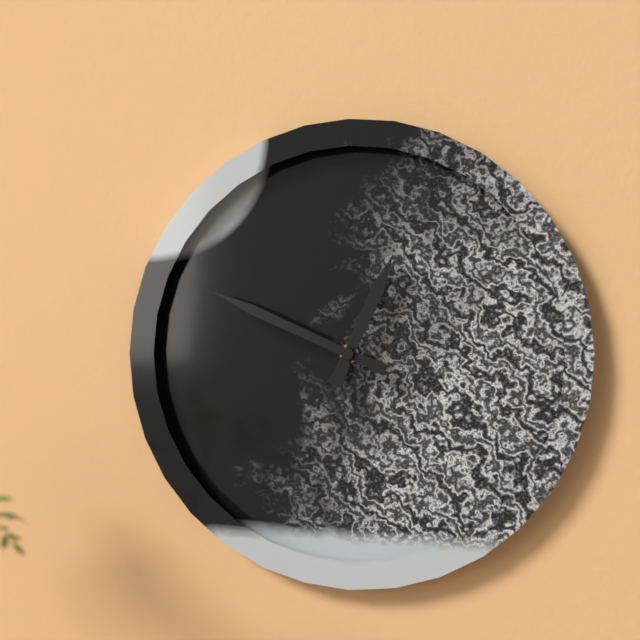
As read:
h=12 m=49
